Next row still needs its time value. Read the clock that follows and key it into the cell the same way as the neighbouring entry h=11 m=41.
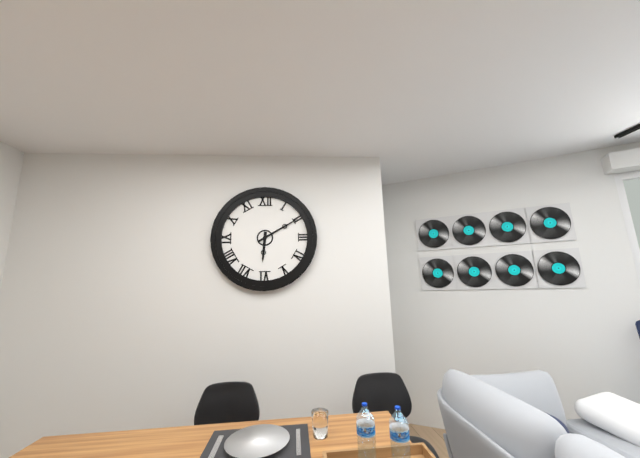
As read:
h=6 m=10
